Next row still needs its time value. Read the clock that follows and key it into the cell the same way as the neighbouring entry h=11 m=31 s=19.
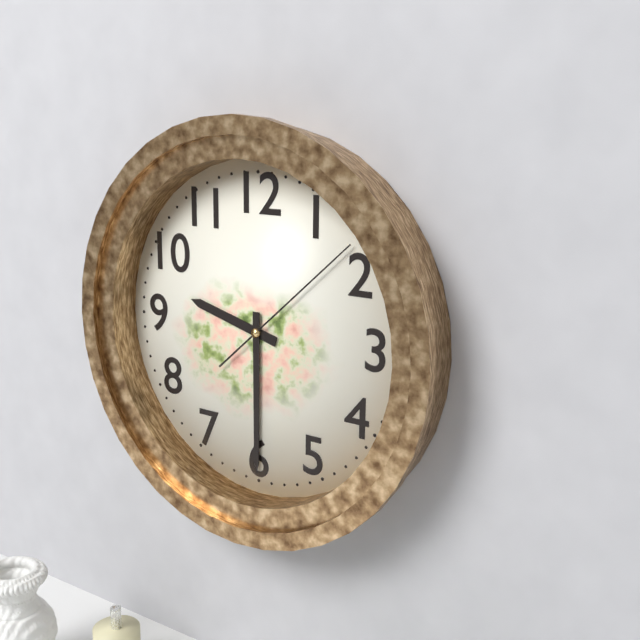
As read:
h=9 m=30 s=8
